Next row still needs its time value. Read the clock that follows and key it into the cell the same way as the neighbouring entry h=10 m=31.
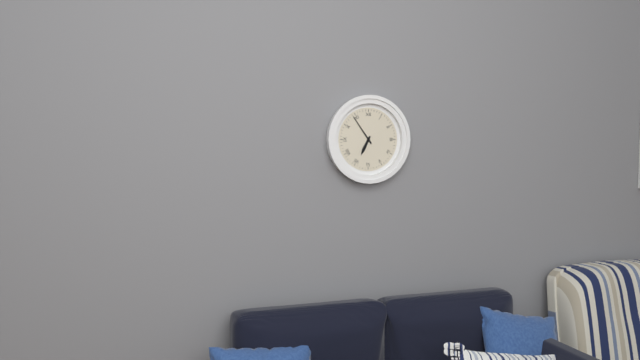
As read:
h=6 m=54
